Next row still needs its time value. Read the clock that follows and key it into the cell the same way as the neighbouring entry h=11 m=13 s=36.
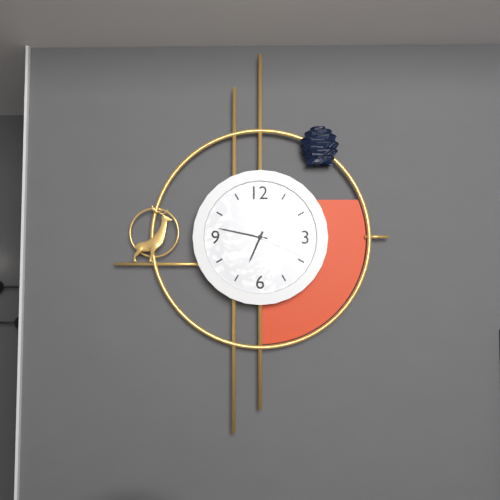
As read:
h=6 m=47 s=19
